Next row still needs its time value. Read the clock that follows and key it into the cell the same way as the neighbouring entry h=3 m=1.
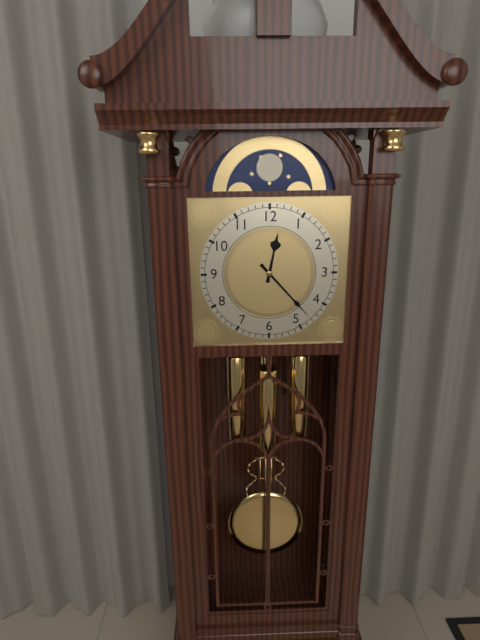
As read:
h=12 m=23
